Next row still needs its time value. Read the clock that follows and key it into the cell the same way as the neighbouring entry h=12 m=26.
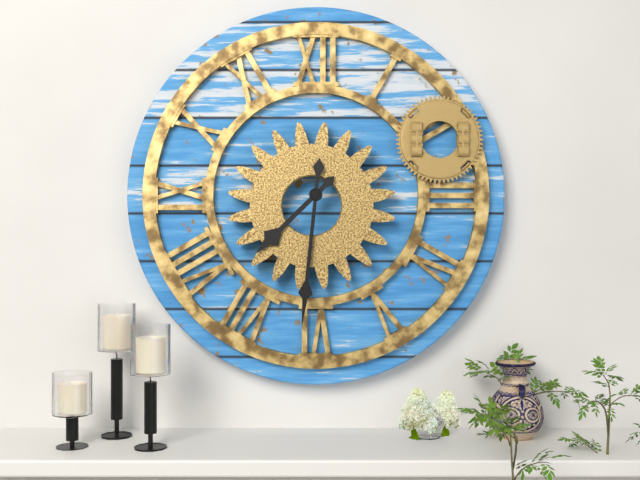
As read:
h=7 m=31
